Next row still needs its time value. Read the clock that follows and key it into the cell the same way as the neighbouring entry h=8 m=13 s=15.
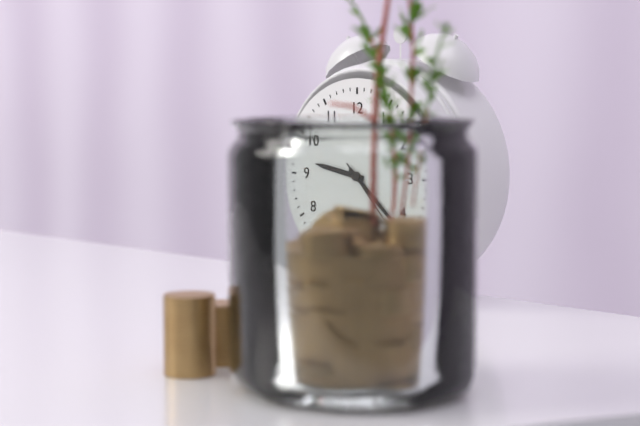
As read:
h=9 m=22 s=23
